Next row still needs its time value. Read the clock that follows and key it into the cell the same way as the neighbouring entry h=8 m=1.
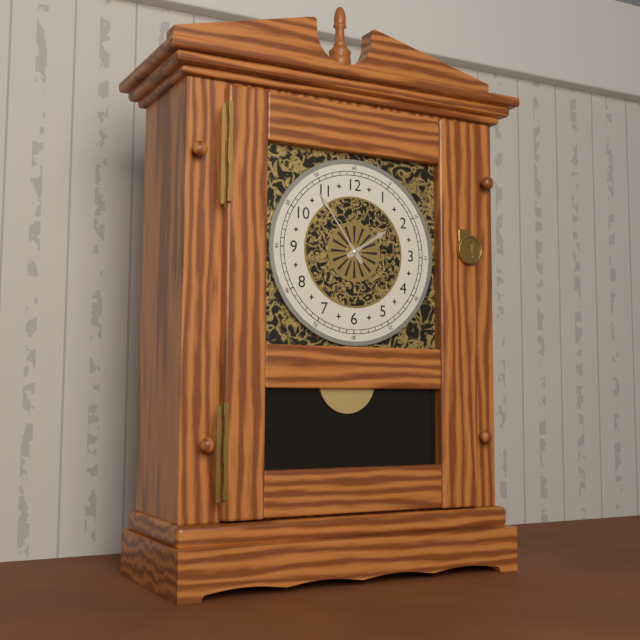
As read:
h=1 m=54
